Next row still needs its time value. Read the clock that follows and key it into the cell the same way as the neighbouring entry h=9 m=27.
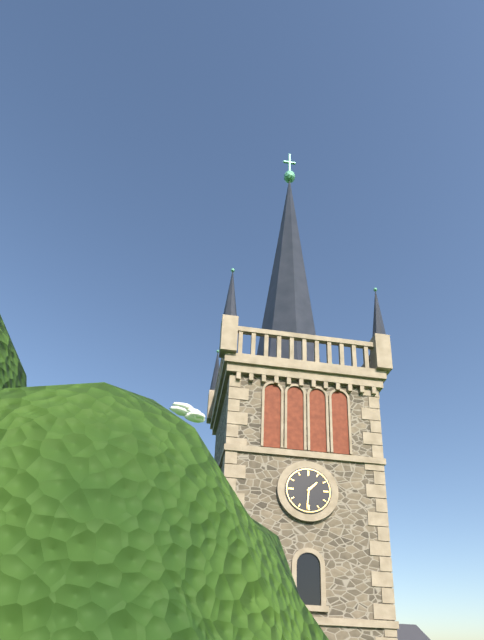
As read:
h=1 m=31
